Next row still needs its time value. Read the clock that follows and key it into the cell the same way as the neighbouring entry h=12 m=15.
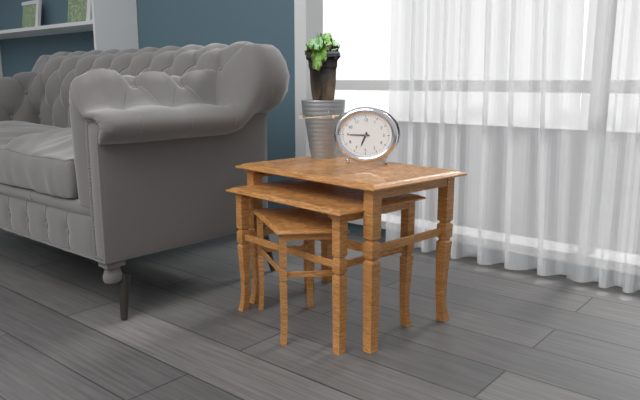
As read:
h=6 m=45
